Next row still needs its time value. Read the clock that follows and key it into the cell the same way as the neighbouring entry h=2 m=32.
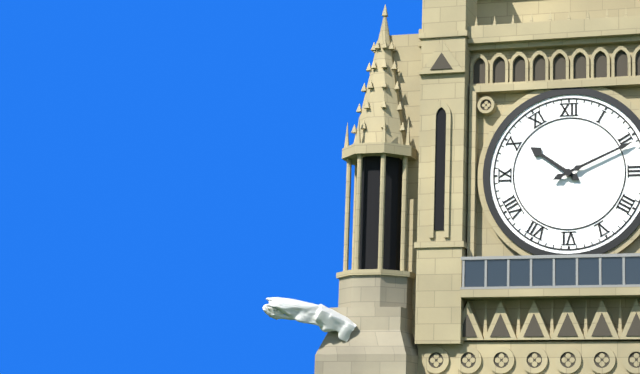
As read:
h=10 m=11
